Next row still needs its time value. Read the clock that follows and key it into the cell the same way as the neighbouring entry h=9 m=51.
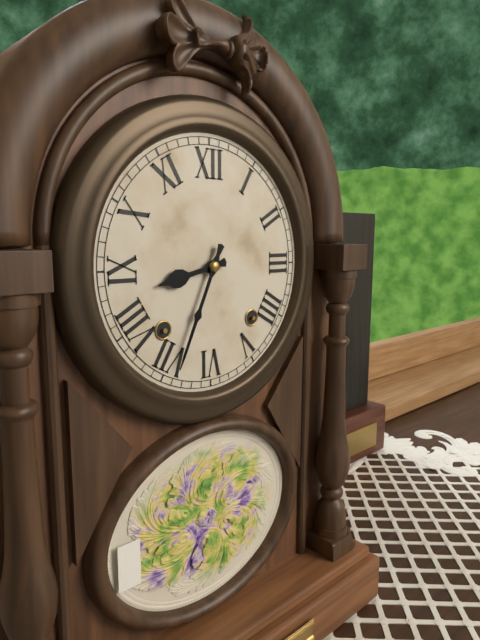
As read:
h=8 m=34
